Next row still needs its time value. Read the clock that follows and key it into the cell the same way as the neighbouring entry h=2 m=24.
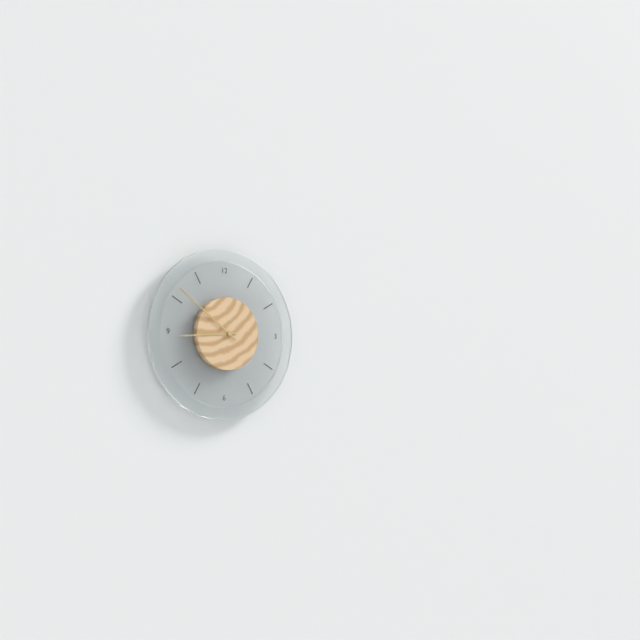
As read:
h=8 m=51
